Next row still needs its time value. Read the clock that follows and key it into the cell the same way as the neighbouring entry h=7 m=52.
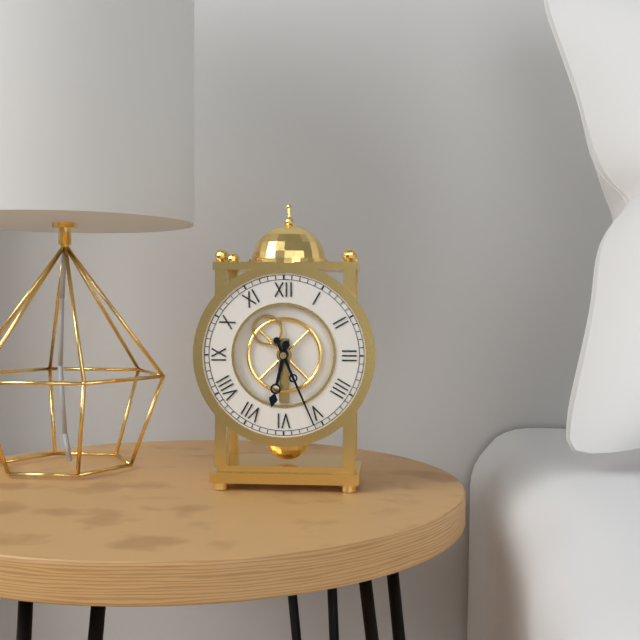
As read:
h=6 m=26
